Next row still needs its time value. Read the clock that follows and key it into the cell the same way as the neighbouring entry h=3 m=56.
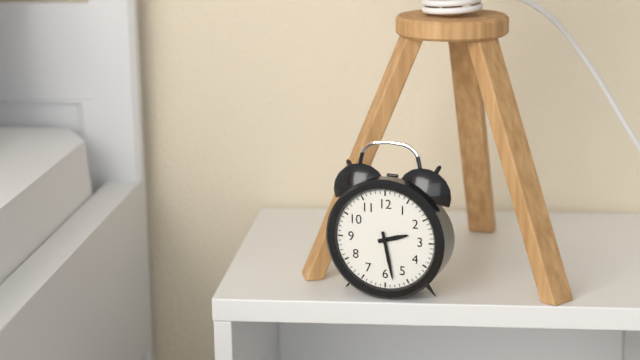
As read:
h=2 m=28
